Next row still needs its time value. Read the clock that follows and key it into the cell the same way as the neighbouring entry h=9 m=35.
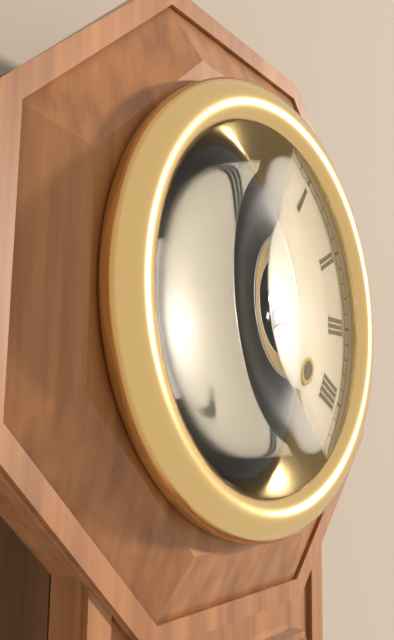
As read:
h=8 m=46
